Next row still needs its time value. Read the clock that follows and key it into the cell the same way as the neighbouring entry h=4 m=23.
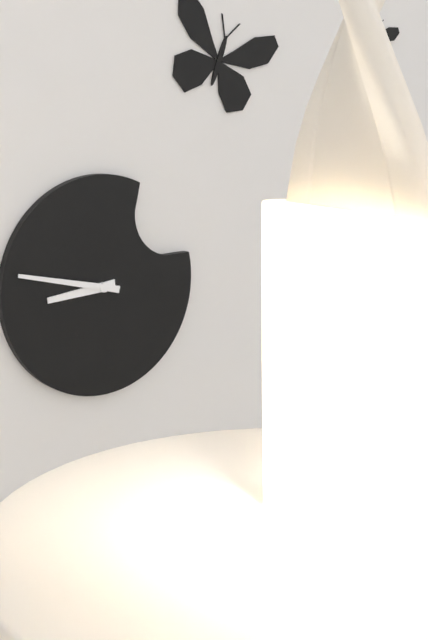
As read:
h=8 m=47
